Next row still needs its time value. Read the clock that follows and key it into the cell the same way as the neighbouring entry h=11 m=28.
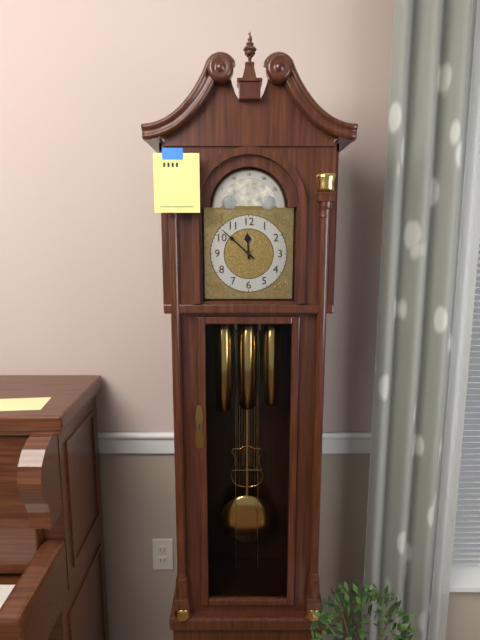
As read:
h=11 m=52
